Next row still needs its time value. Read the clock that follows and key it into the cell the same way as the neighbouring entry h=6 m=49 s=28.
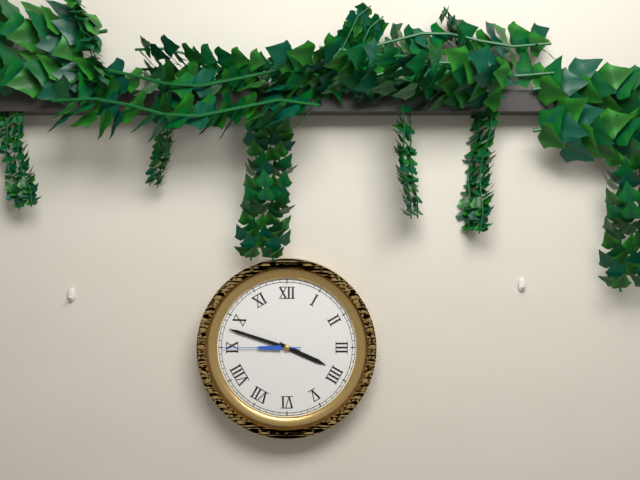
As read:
h=3 m=48 s=45
